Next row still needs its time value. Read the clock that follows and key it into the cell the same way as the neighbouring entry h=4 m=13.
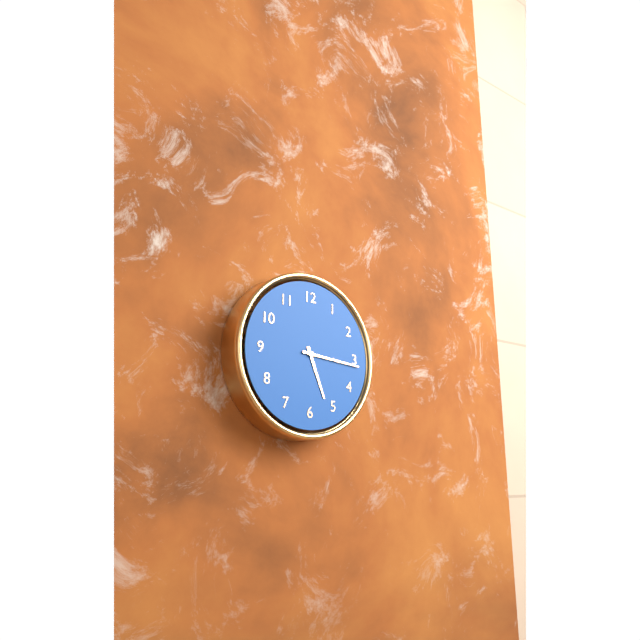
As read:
h=5 m=16
